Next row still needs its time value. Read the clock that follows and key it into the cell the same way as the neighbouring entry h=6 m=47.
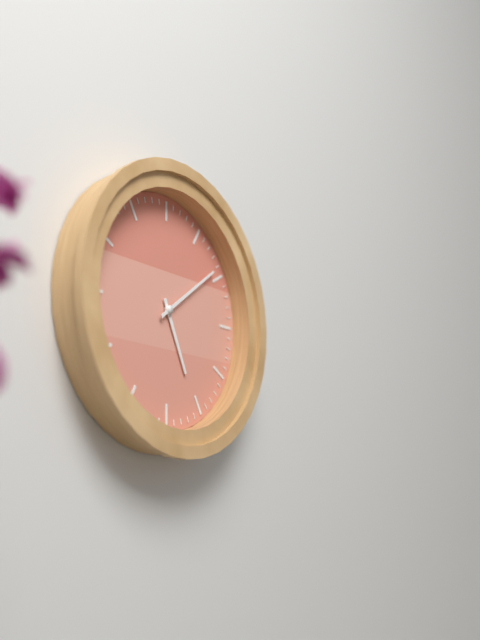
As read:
h=5 m=9
